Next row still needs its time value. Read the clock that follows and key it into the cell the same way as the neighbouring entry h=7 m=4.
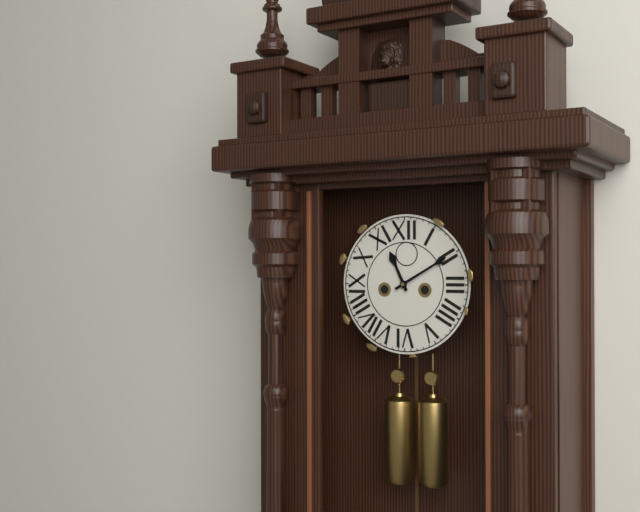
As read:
h=11 m=10
